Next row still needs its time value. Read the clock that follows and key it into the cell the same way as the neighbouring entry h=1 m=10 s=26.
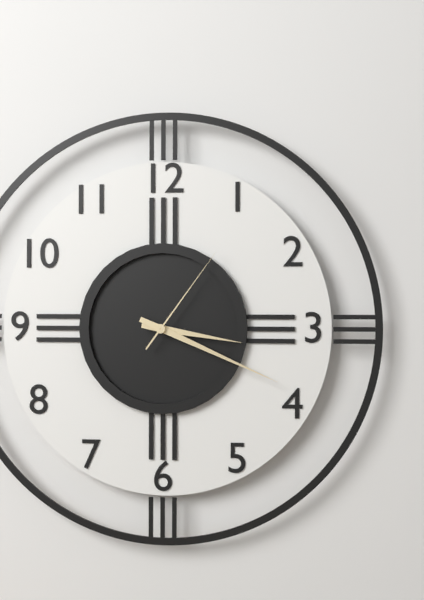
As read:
h=3 m=19 s=6
